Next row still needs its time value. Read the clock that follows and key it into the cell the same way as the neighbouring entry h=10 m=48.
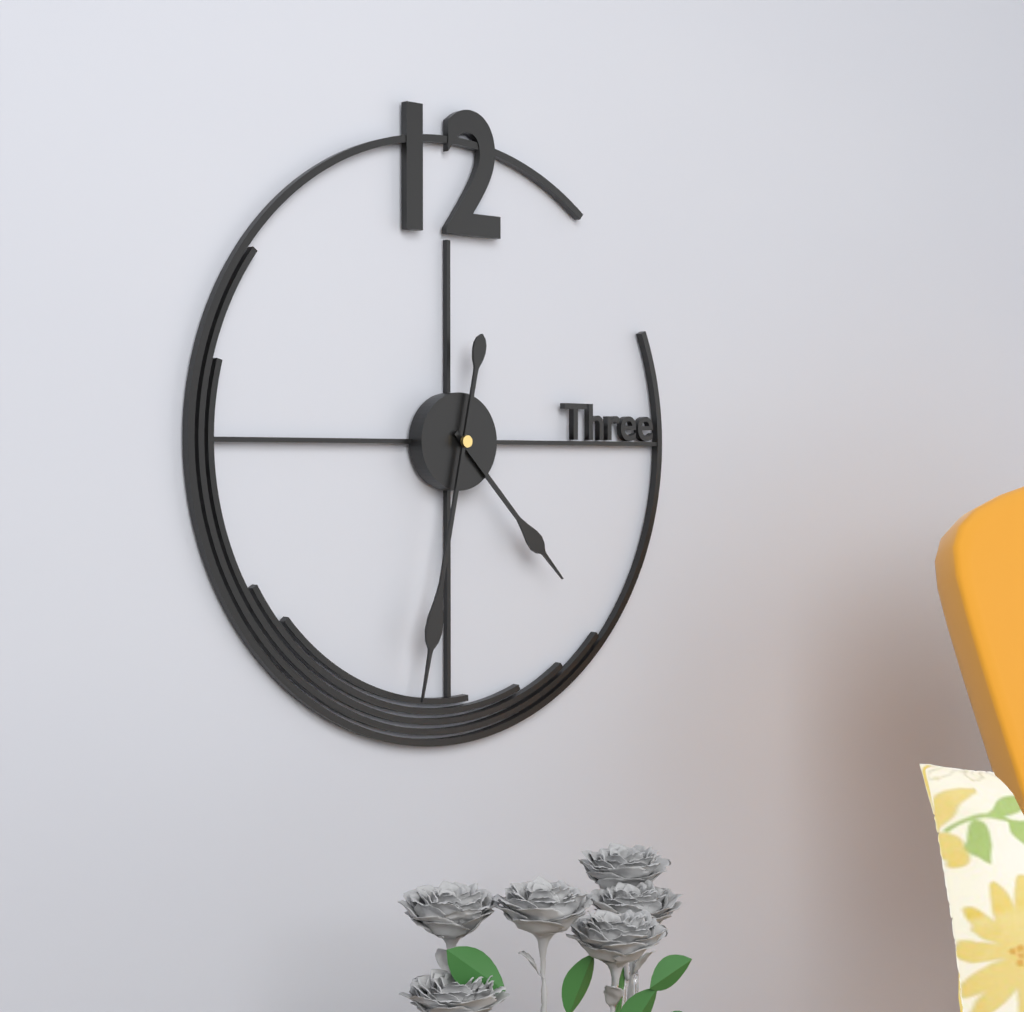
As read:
h=4 m=32
